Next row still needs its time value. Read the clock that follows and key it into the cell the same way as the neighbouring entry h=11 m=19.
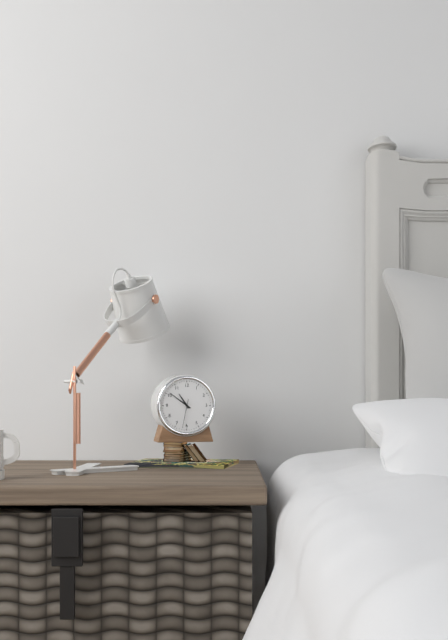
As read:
h=10 m=51
